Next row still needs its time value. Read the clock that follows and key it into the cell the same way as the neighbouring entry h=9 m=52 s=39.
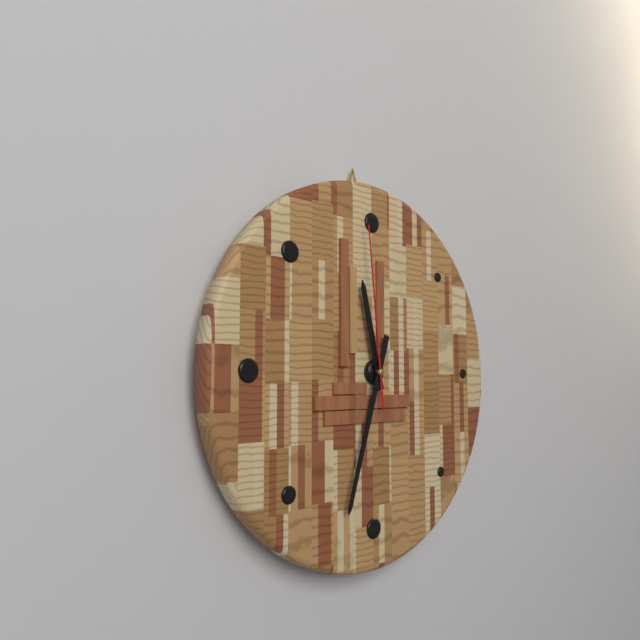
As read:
h=11 m=33 s=59
